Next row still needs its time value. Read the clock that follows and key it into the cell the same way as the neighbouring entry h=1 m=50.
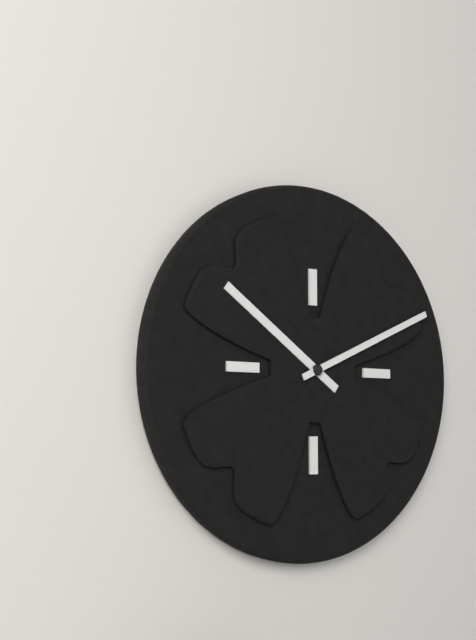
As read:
h=10 m=11
